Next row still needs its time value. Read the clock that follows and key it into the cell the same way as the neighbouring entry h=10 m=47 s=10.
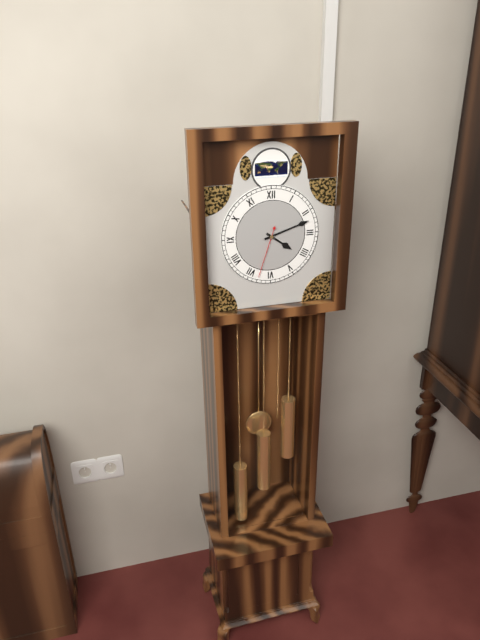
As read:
h=4 m=12 s=33
